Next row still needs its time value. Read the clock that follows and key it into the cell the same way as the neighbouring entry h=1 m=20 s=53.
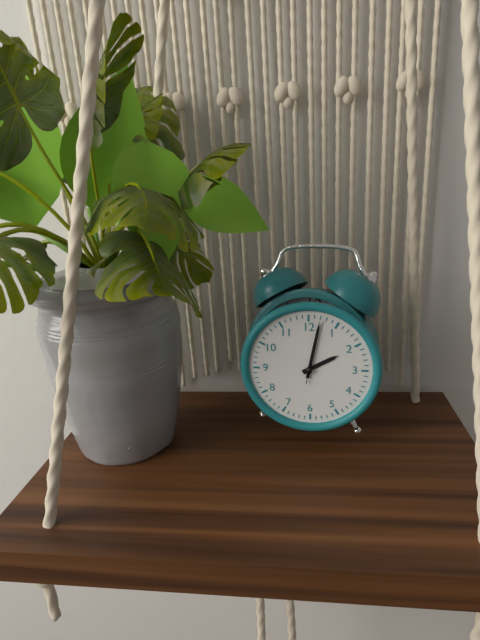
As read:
h=2 m=2 s=2
